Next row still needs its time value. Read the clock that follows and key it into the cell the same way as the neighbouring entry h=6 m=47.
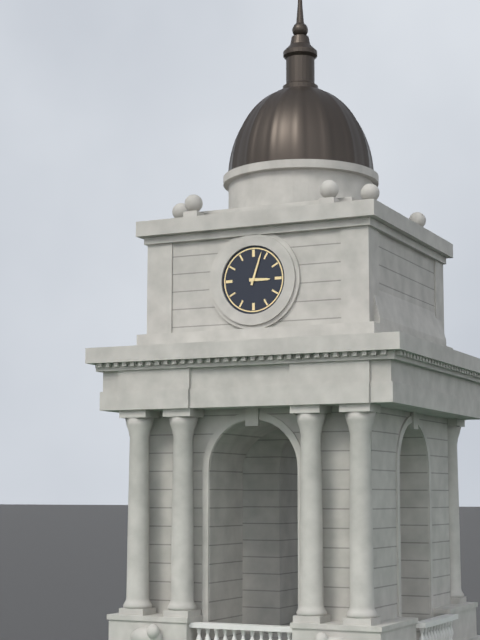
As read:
h=3 m=3
